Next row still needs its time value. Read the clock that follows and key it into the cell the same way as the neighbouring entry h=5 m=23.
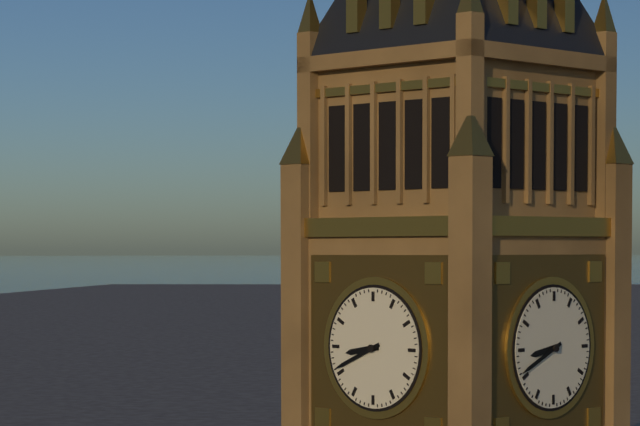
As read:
h=8 m=41
